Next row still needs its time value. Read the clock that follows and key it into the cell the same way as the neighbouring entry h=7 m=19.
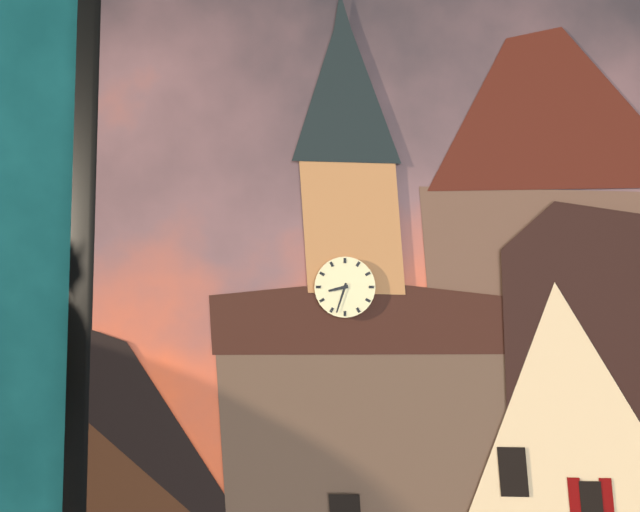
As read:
h=8 m=33
